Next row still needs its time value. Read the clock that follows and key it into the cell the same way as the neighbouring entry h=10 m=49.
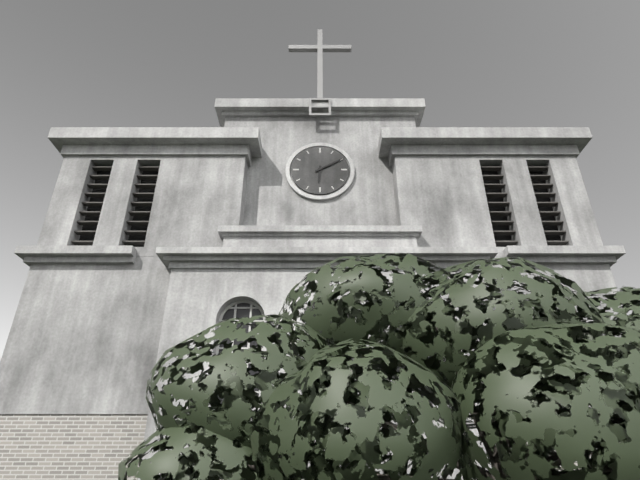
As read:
h=6 m=10
